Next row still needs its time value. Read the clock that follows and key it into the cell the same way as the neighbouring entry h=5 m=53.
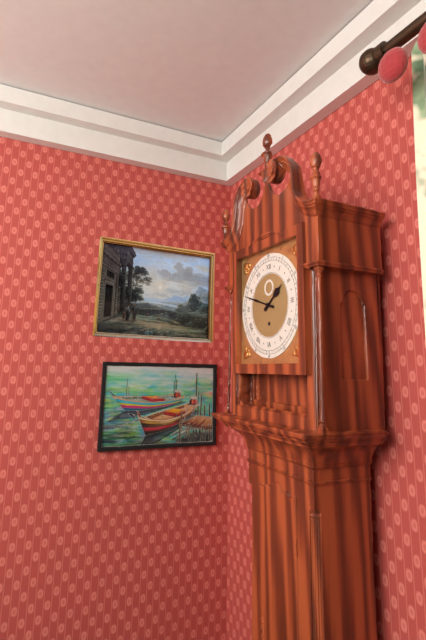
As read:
h=1 m=48
